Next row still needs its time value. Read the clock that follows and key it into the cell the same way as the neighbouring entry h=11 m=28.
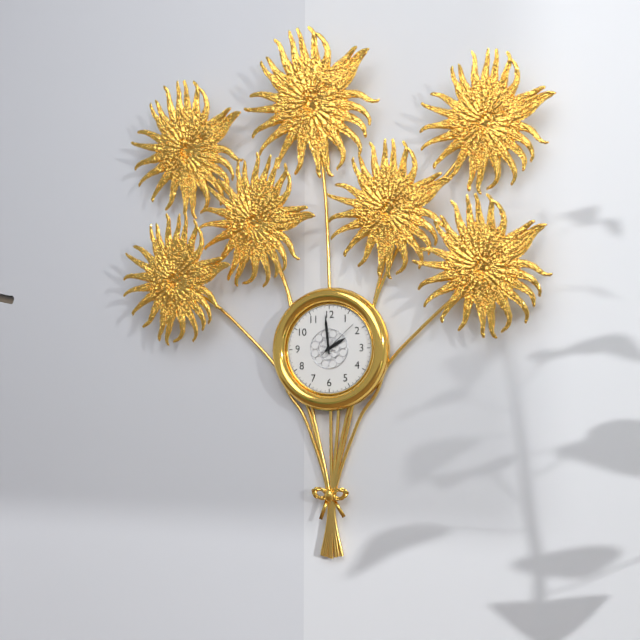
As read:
h=1 m=59
